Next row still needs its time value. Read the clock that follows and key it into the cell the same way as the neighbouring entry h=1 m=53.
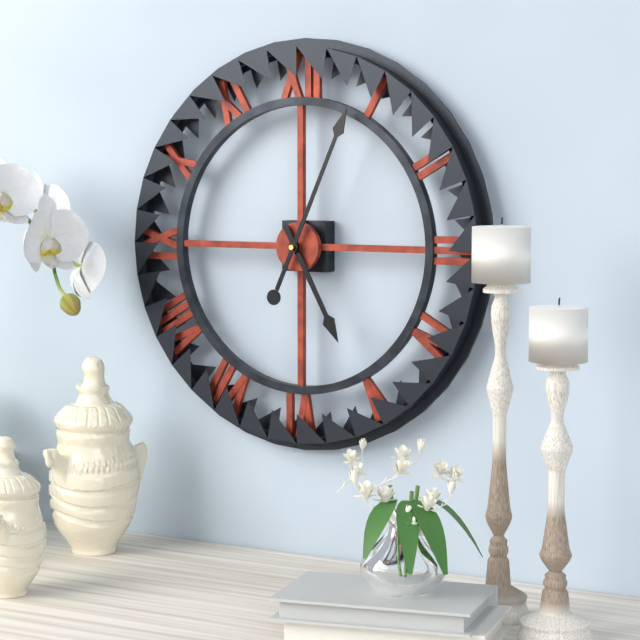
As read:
h=5 m=4
